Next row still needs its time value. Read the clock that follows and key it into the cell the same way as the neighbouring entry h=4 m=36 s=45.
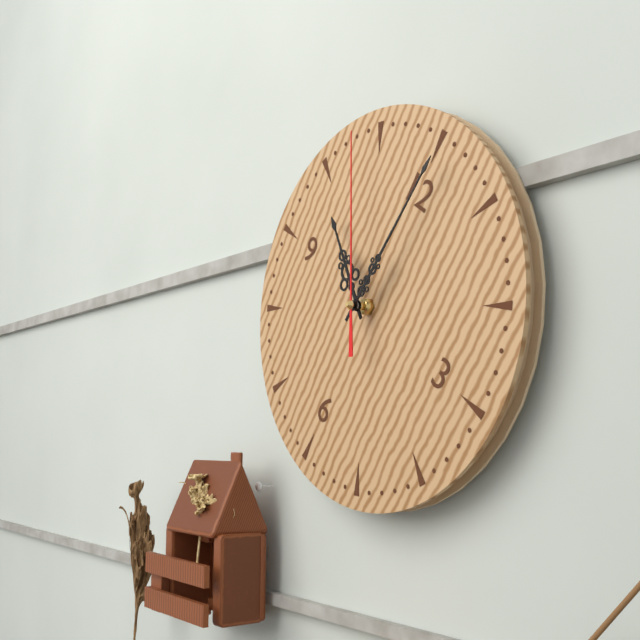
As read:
h=10 m=1 s=54
